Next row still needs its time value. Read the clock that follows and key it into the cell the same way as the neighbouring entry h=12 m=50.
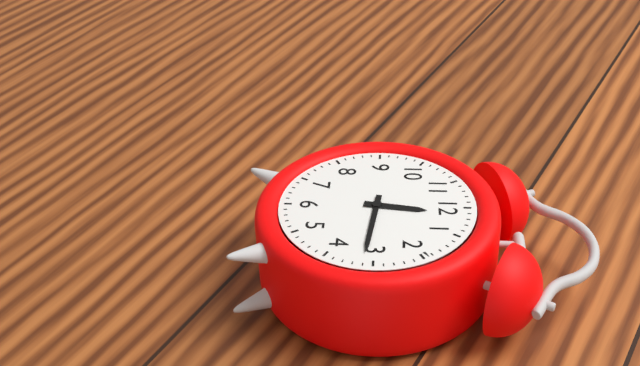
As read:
h=12 m=16
